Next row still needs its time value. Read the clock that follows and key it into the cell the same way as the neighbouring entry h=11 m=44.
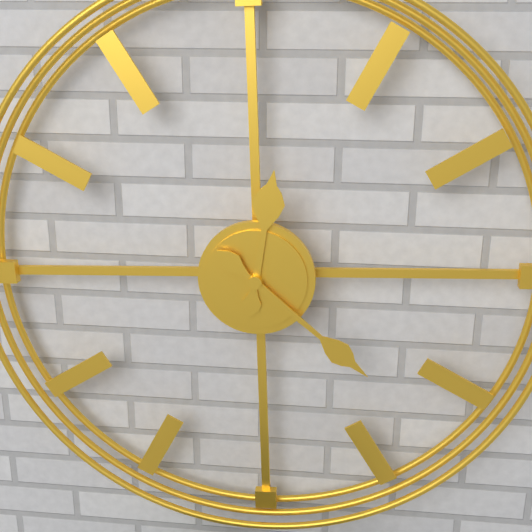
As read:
h=12 m=22
